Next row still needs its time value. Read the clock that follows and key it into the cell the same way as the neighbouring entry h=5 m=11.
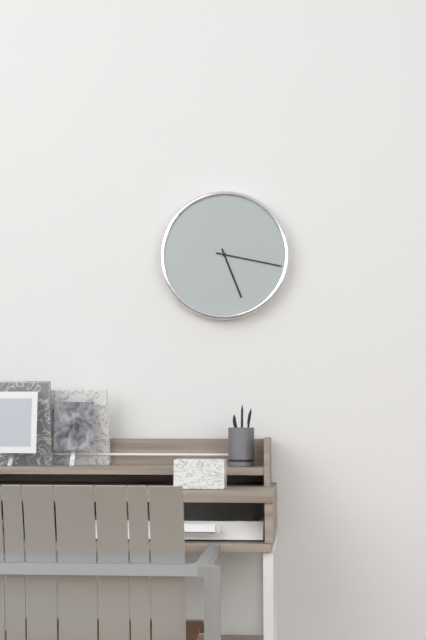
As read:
h=5 m=17
